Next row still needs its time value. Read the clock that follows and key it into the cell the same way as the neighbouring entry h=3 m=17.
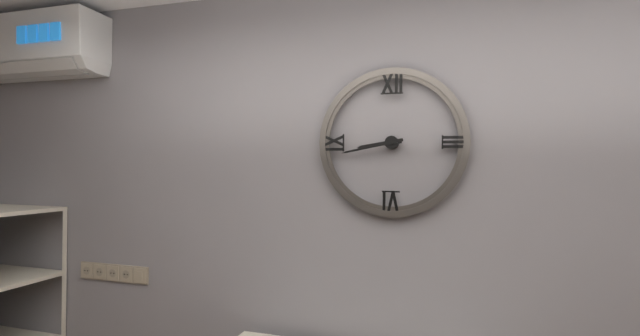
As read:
h=8 m=43
